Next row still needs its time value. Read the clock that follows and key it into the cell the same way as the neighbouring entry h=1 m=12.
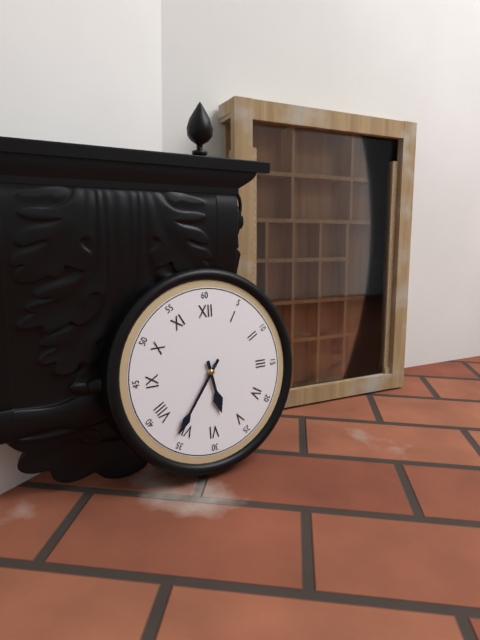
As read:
h=5 m=36
